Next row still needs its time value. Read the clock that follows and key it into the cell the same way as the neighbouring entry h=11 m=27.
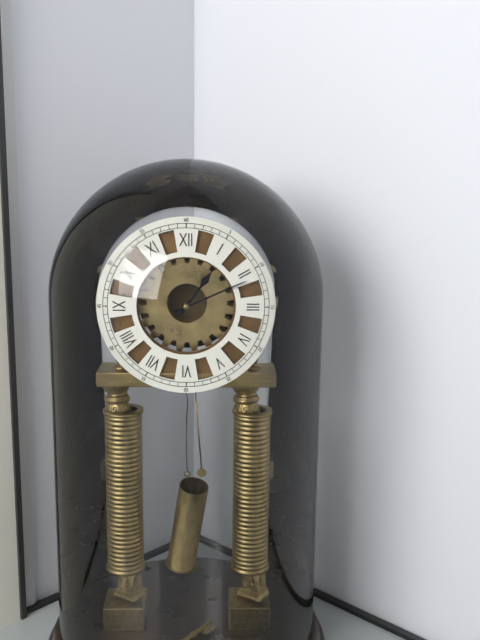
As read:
h=1 m=11
